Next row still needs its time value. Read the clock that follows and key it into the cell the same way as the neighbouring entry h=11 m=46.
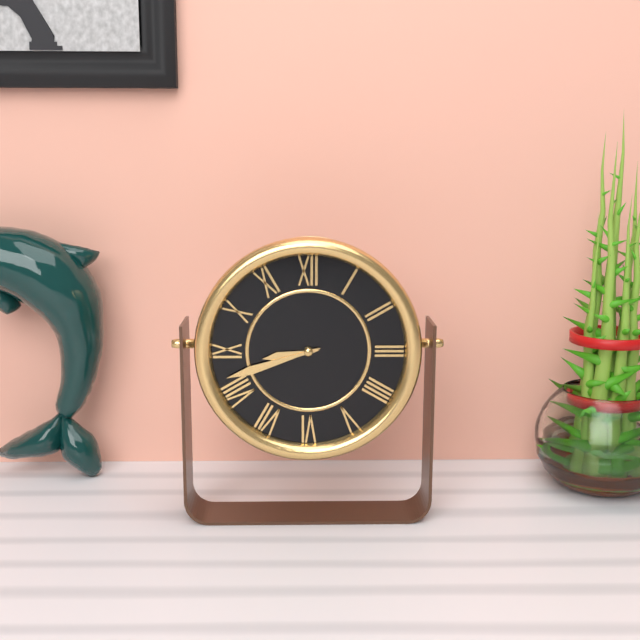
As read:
h=8 m=42
